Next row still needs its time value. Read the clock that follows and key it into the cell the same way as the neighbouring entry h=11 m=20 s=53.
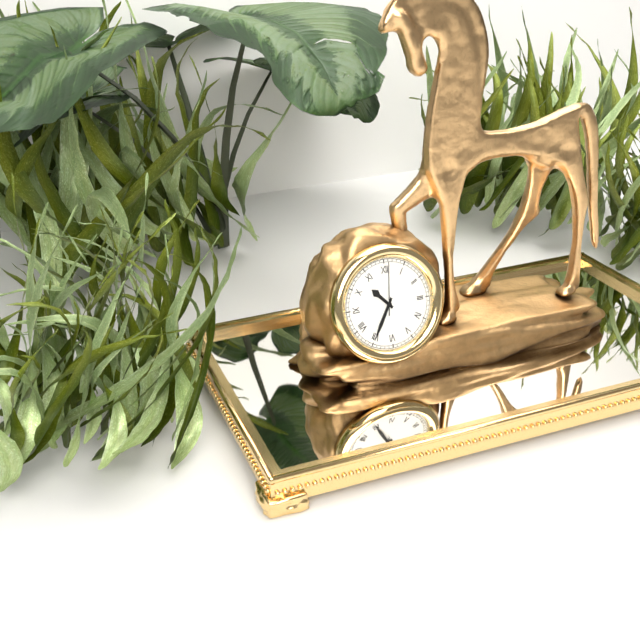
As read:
h=10 m=35 s=1
